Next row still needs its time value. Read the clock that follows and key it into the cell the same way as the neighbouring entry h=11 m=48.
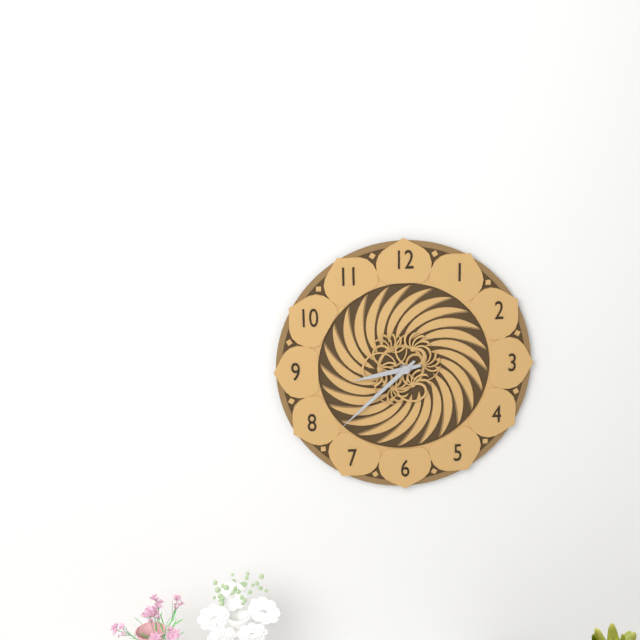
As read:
h=8 m=38
